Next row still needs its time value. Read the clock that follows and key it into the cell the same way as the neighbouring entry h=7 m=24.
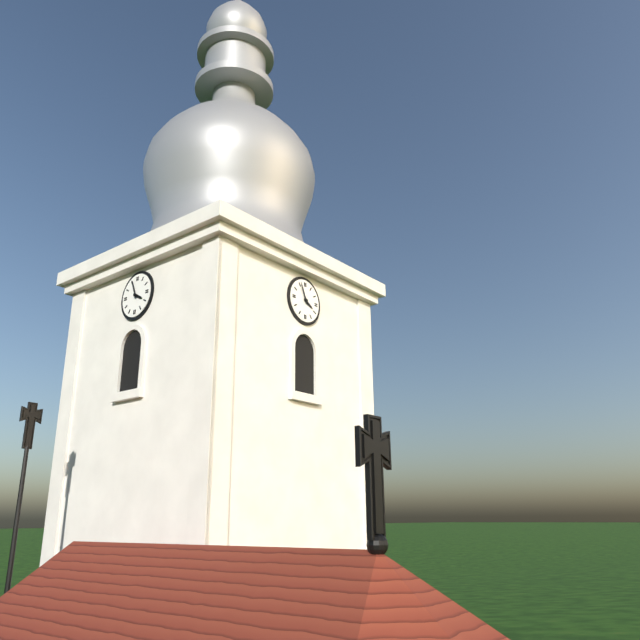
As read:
h=3 m=56
